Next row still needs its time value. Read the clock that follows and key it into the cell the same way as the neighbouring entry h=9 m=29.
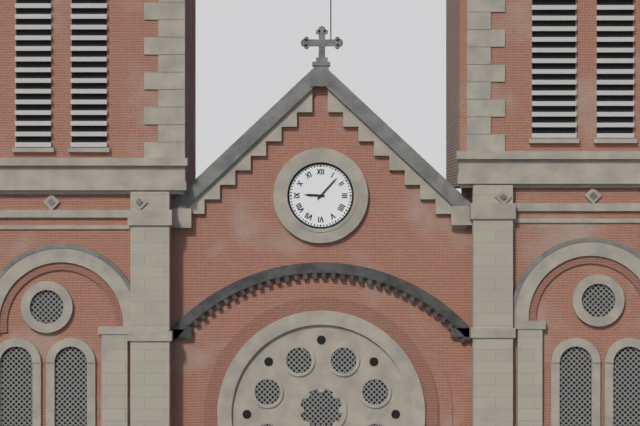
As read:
h=9 m=7
